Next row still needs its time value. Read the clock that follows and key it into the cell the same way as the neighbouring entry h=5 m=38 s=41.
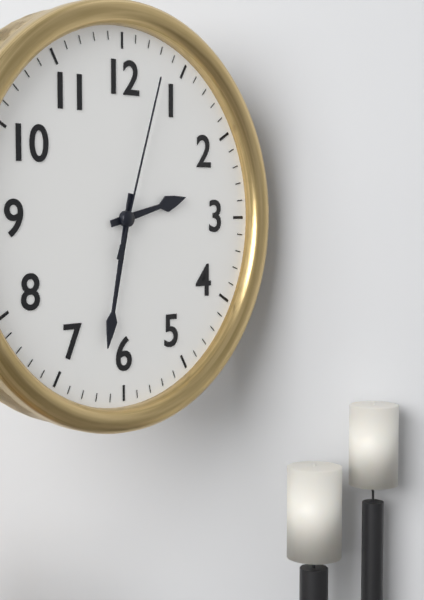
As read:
h=2 m=32 s=3
